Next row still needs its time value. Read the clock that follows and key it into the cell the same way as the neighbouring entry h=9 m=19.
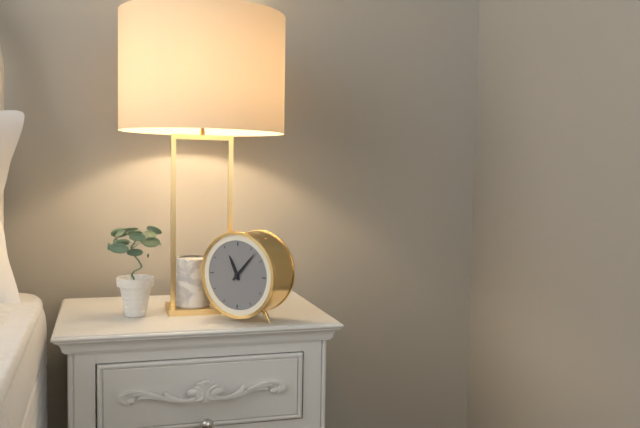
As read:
h=11 m=7
